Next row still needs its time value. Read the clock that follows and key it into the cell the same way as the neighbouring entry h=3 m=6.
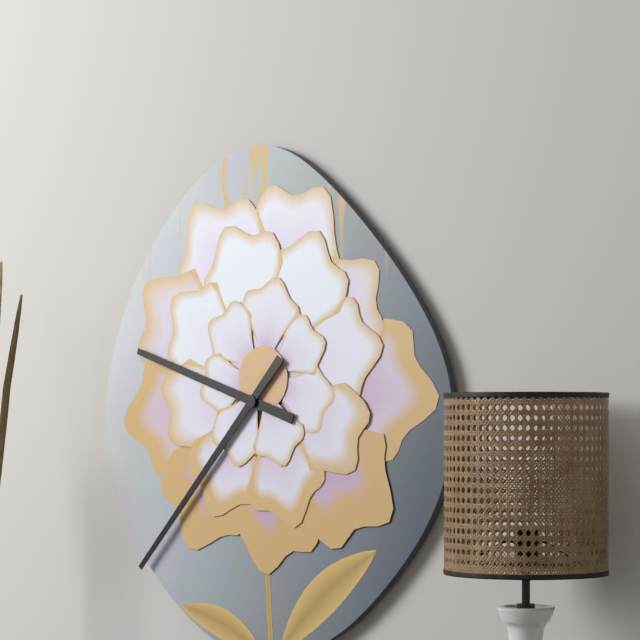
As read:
h=9 m=37
